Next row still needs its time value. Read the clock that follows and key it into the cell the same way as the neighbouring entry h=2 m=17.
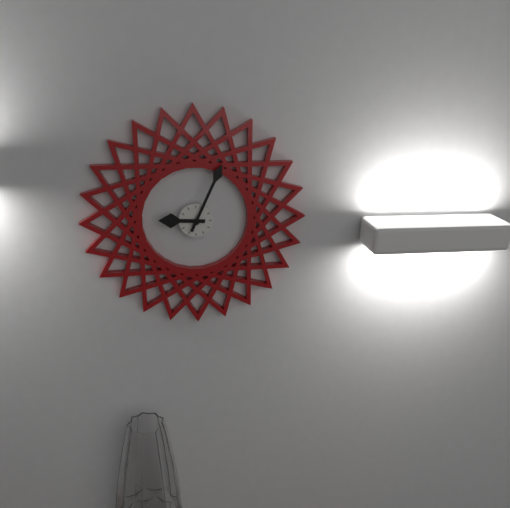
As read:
h=9 m=4
